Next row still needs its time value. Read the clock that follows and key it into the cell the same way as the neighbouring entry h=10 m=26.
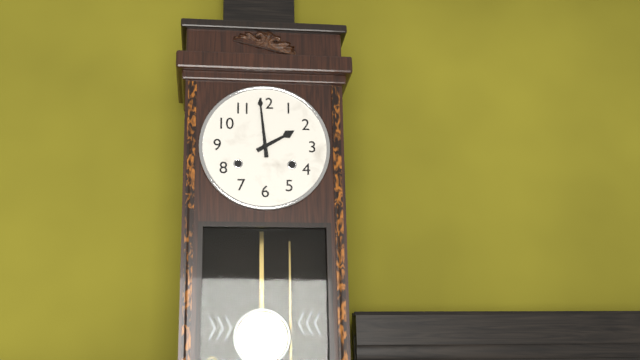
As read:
h=1 m=59
